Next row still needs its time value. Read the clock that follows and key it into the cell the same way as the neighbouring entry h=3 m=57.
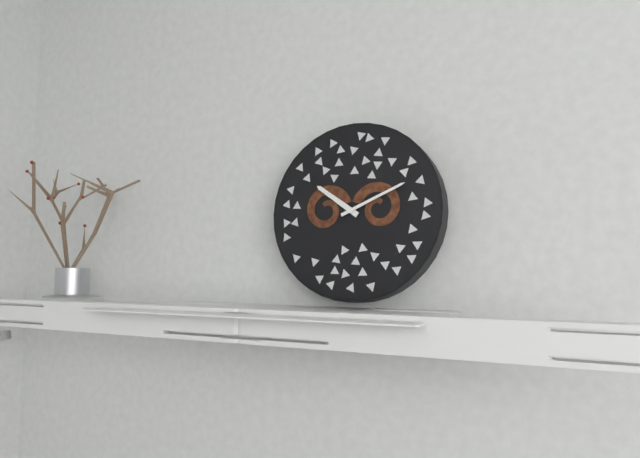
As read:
h=10 m=11
